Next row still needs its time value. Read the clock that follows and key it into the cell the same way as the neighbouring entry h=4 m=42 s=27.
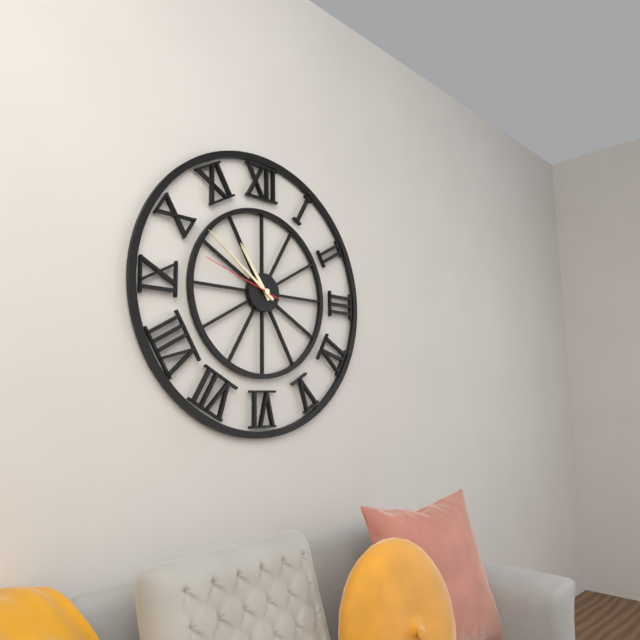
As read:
h=10 m=51 s=48
